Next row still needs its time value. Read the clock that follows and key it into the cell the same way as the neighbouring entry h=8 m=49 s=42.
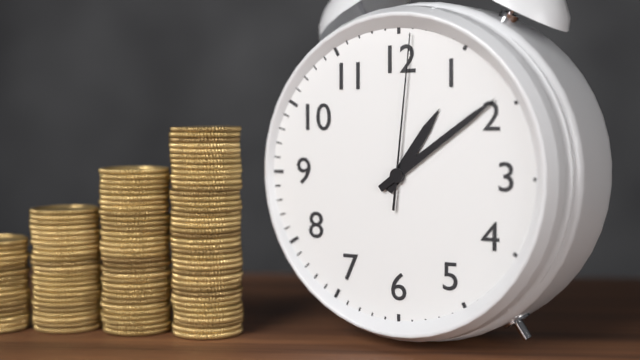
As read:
h=1 m=9 s=1
